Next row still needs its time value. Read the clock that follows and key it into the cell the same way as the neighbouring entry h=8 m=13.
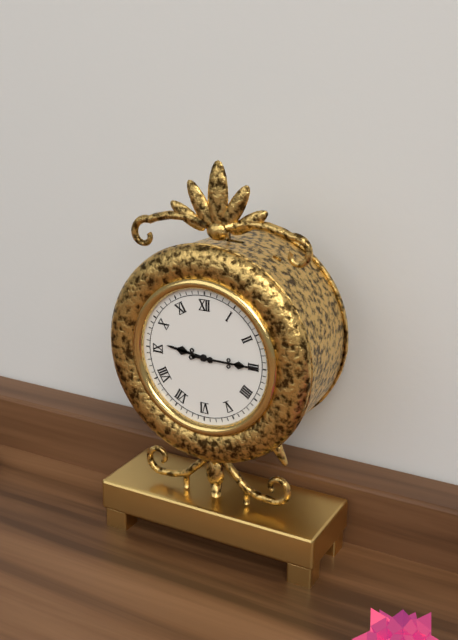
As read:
h=9 m=15
